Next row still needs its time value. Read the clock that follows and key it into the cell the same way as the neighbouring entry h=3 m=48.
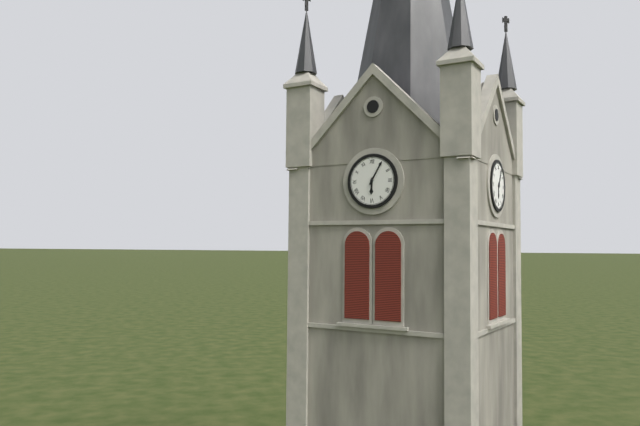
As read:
h=6 m=5
